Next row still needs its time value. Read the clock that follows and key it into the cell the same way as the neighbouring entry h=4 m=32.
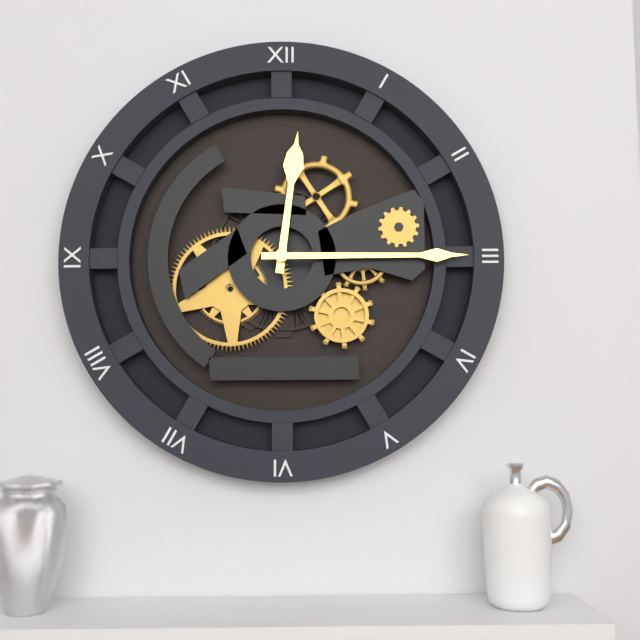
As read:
h=12 m=15
